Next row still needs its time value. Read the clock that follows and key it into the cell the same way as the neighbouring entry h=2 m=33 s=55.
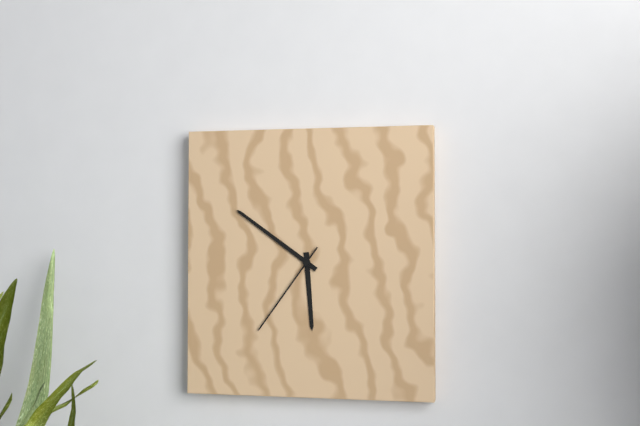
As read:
h=5 m=51 s=36
